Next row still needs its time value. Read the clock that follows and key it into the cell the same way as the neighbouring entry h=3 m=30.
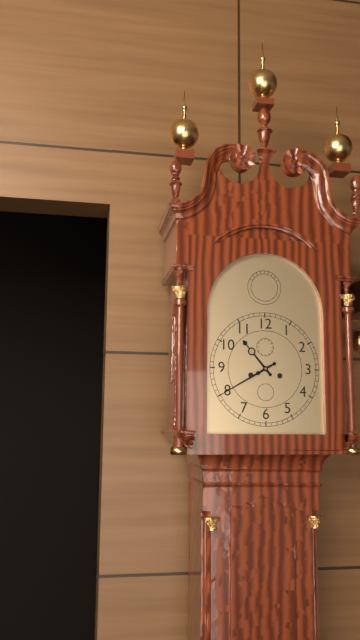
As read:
h=10 m=40
